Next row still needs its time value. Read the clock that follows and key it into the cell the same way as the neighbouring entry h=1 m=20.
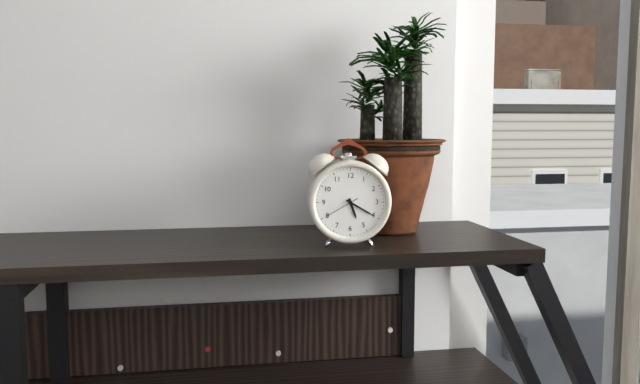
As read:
h=5 m=20
